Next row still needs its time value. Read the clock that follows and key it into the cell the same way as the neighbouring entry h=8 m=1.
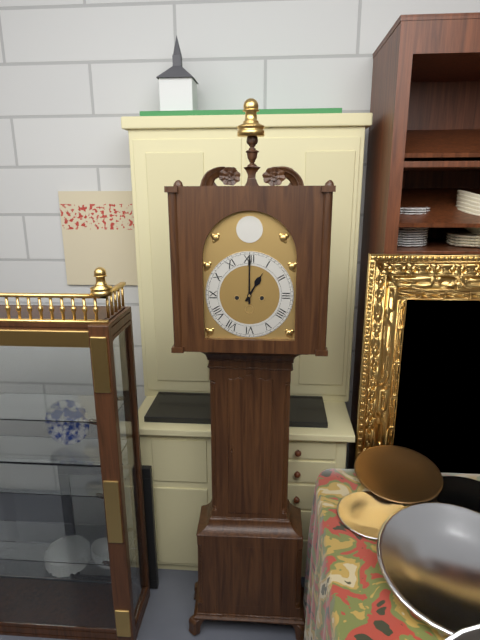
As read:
h=1 m=0
